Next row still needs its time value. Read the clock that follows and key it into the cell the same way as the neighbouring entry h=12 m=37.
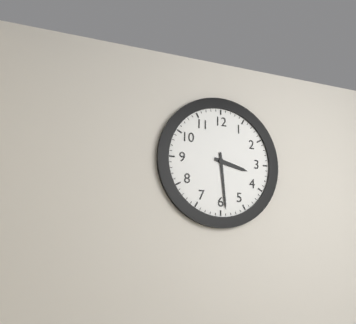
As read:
h=3 m=29
